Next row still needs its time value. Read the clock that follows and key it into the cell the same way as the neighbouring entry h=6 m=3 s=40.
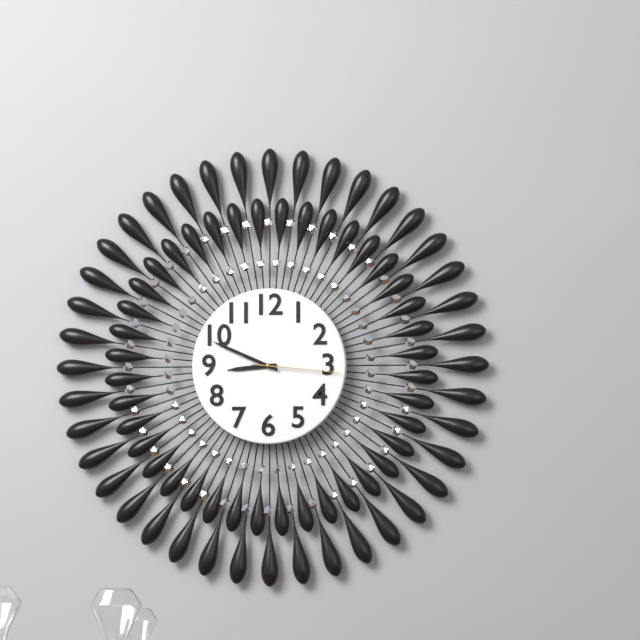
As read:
h=8 m=49 s=16
